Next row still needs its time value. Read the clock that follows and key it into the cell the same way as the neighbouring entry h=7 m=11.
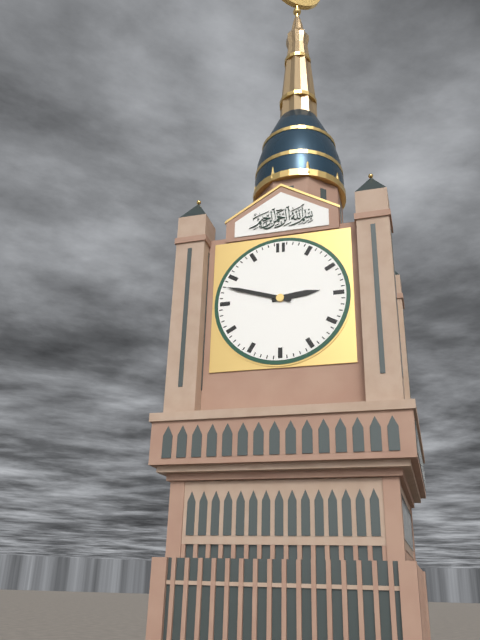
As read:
h=2 m=48
